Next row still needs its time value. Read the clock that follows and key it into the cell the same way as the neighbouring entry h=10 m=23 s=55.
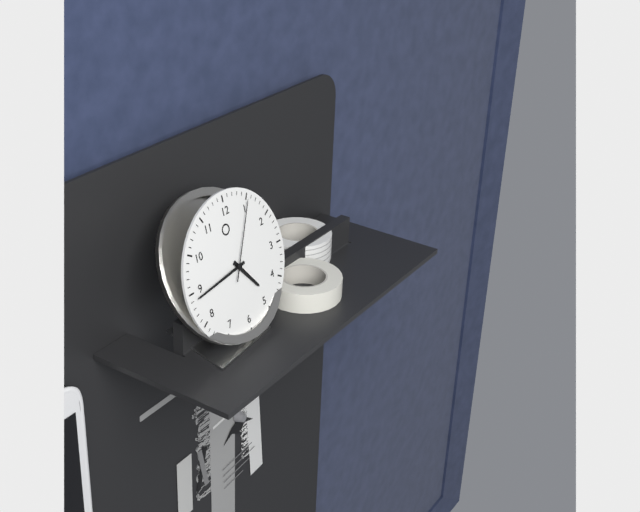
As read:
h=4 m=44 s=5
